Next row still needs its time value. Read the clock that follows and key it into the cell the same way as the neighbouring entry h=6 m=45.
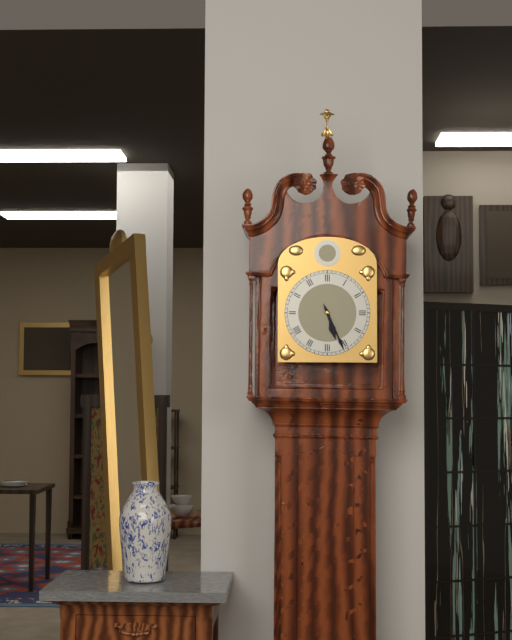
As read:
h=5 m=26
